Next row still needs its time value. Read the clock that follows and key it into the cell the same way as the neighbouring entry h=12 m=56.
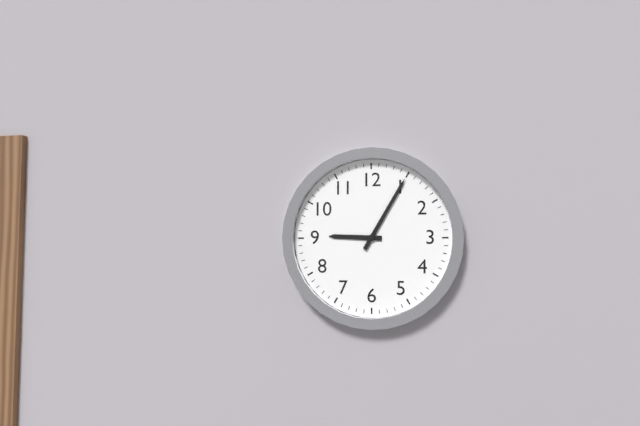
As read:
h=9 m=5
